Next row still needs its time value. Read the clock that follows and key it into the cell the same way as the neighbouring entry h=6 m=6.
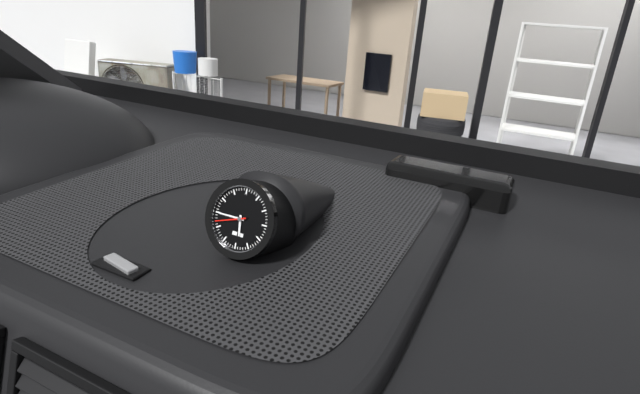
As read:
h=5 m=45
